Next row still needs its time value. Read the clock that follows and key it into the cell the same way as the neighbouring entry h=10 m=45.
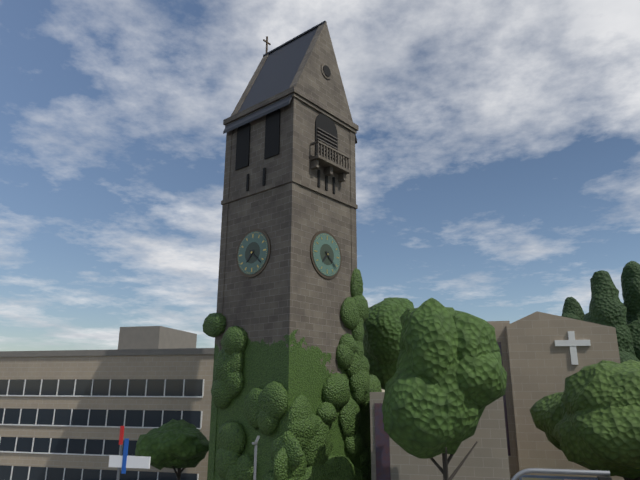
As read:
h=7 m=22
